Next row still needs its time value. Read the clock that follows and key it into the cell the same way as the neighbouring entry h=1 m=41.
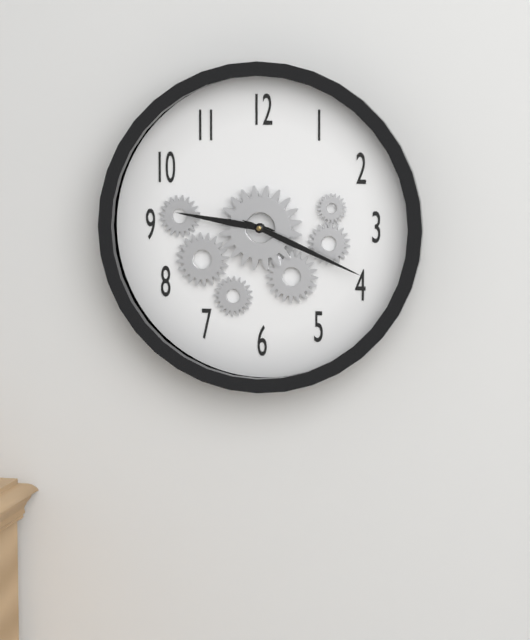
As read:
h=9 m=19
